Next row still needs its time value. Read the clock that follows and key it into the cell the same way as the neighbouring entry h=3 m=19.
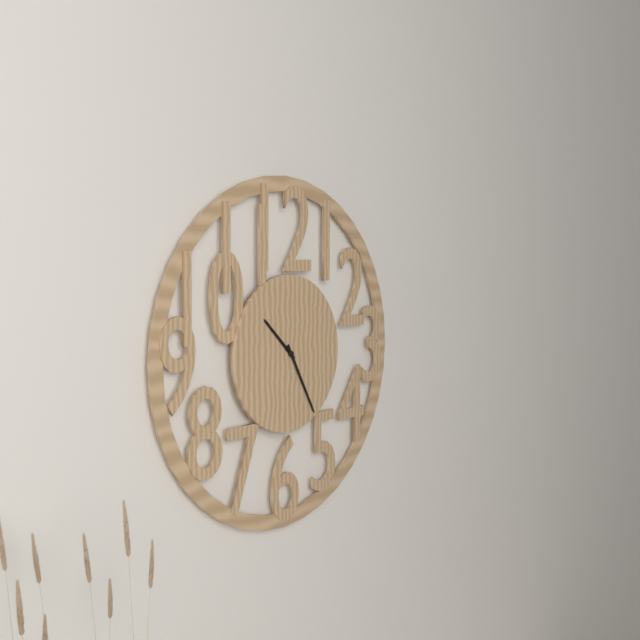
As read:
h=10 m=25
